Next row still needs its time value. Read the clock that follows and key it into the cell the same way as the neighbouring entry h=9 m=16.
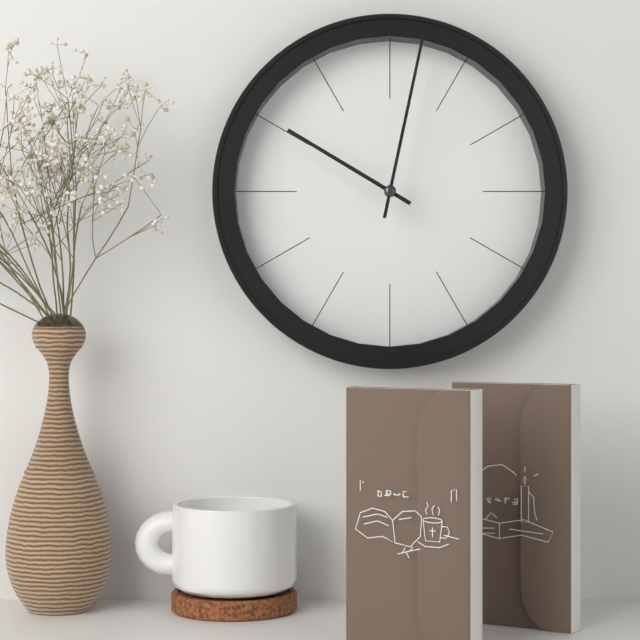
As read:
h=10 m=2
